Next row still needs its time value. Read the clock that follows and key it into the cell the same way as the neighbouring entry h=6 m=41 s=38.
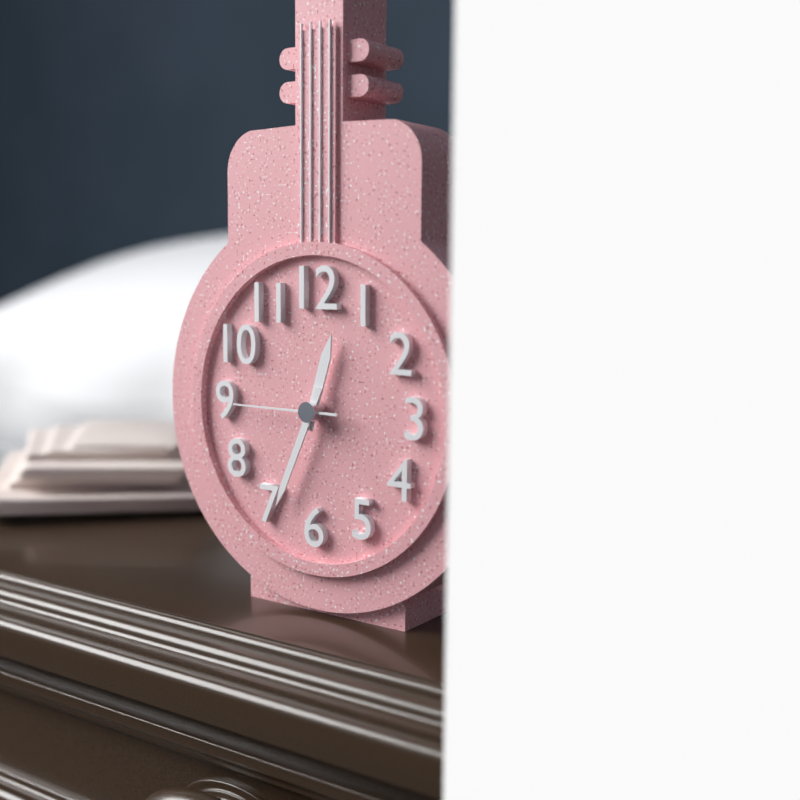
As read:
h=12 m=34 s=45
